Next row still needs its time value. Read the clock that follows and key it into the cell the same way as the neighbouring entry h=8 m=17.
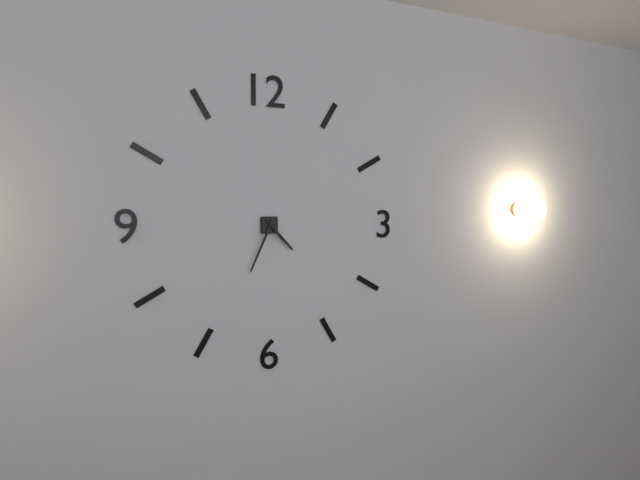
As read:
h=4 m=34
